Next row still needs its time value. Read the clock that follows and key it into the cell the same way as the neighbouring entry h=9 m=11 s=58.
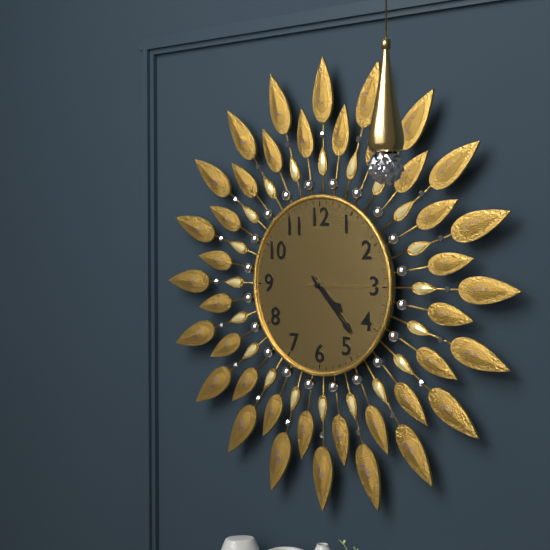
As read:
h=4 m=23 s=15
